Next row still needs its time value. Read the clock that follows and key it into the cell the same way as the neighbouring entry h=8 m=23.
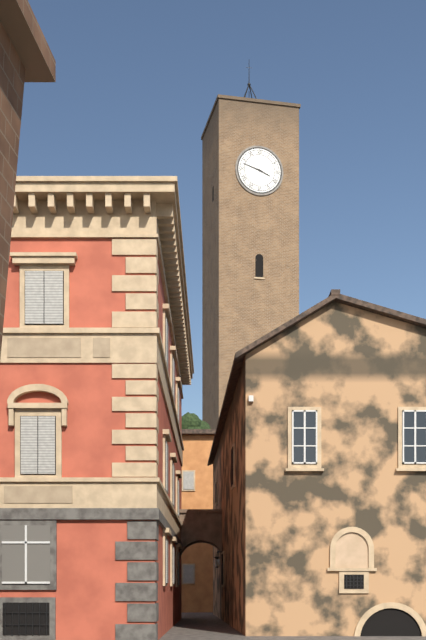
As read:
h=3 m=48
